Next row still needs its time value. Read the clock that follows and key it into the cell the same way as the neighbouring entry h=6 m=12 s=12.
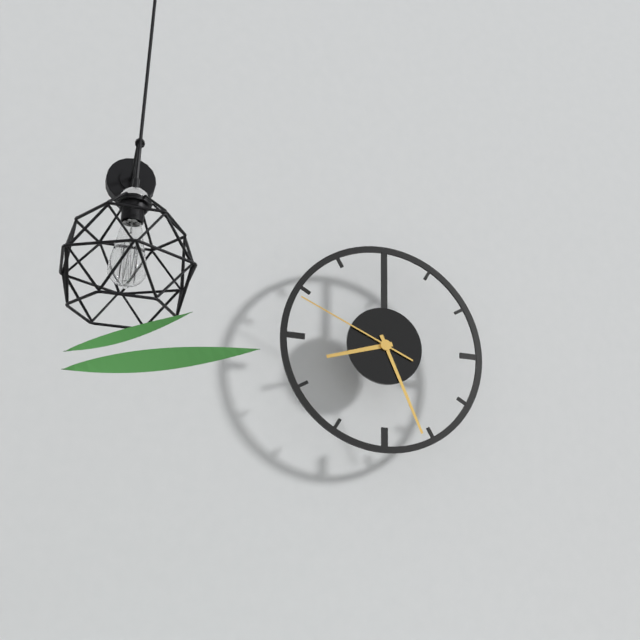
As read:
h=8 m=26 s=49
